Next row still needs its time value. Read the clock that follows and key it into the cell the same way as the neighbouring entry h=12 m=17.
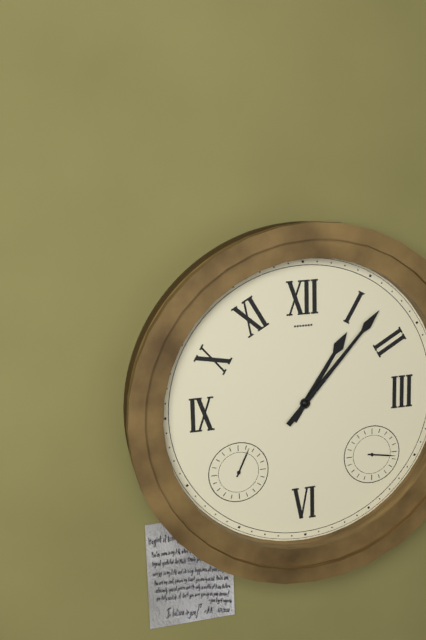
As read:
h=1 m=7
